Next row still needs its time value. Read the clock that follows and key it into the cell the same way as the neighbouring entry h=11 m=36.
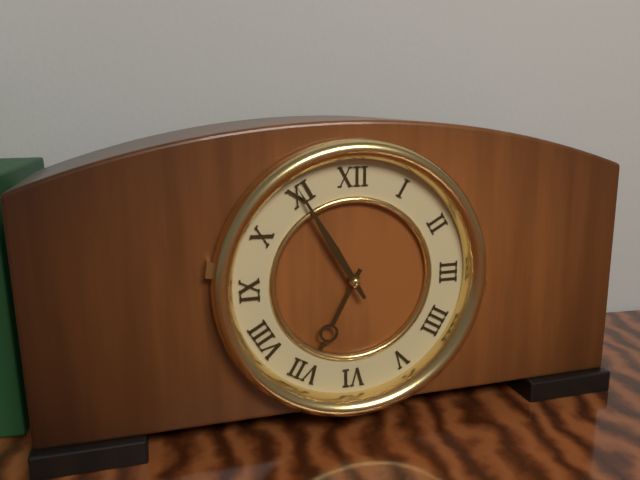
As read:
h=6 m=55
